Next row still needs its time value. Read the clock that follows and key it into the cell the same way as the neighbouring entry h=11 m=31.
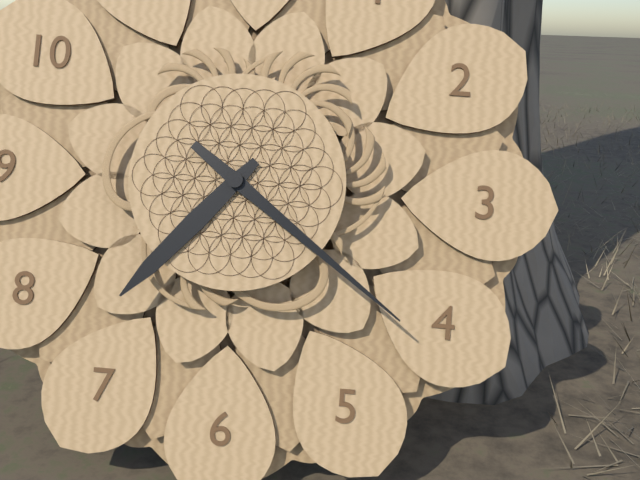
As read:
h=7 m=21
